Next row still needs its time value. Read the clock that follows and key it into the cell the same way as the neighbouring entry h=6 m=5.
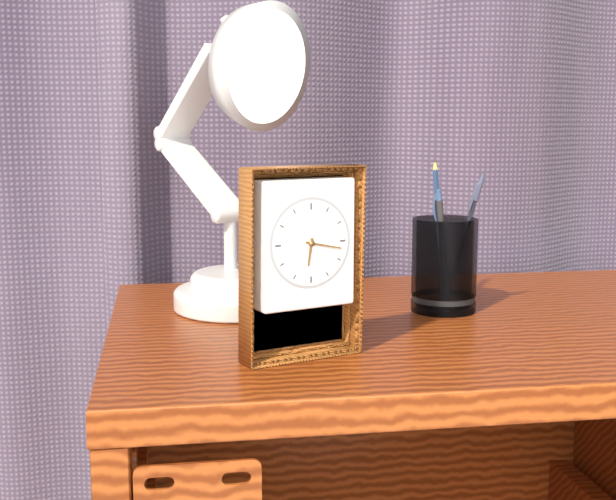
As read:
h=6 m=17
